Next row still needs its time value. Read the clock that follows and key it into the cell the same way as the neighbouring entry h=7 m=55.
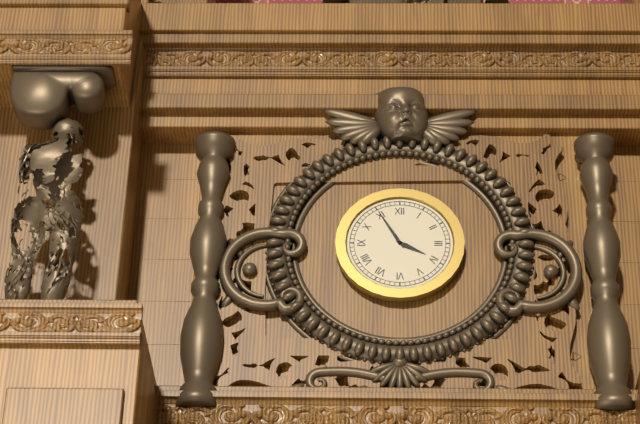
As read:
h=3 m=55
